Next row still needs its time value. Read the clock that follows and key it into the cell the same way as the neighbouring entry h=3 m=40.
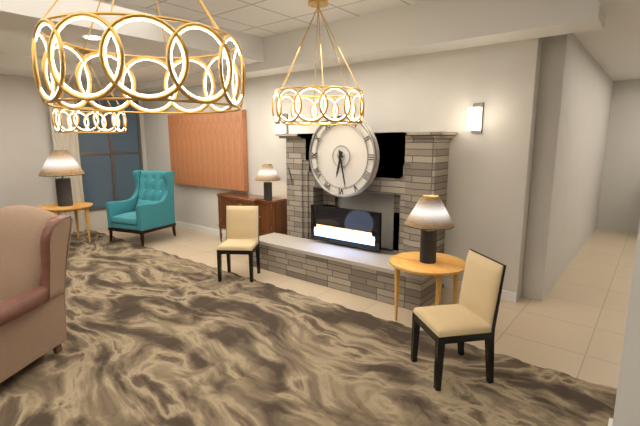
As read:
h=6 m=28
